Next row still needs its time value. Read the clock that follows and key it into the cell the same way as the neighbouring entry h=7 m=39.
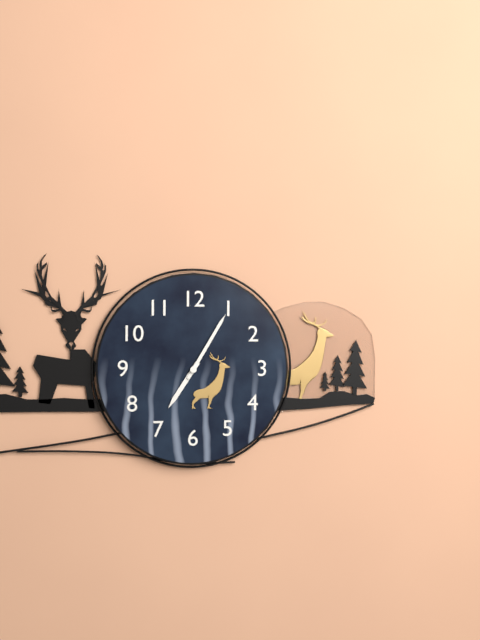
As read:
h=7 m=5
